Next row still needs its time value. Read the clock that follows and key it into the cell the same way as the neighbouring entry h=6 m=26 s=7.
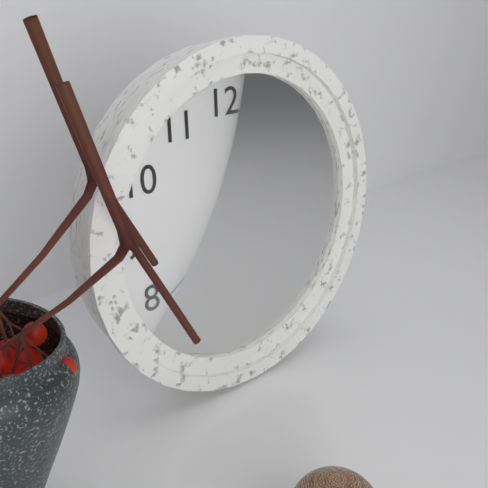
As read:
h=4 m=27 s=39
